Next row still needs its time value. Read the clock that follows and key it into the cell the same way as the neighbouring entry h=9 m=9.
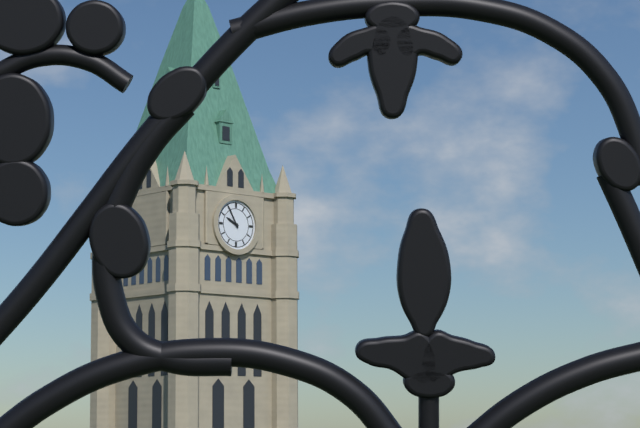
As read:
h=9 m=55
